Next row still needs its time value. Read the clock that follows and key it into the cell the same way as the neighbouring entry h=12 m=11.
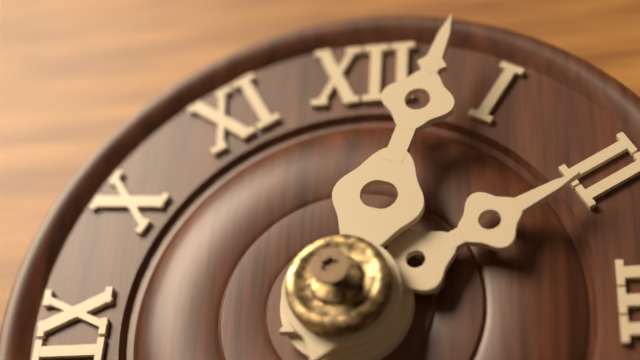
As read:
h=2 m=3
